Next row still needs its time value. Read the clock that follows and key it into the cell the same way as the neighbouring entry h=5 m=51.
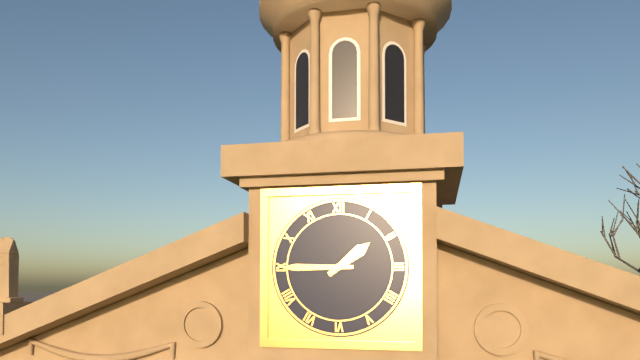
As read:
h=1 m=45
